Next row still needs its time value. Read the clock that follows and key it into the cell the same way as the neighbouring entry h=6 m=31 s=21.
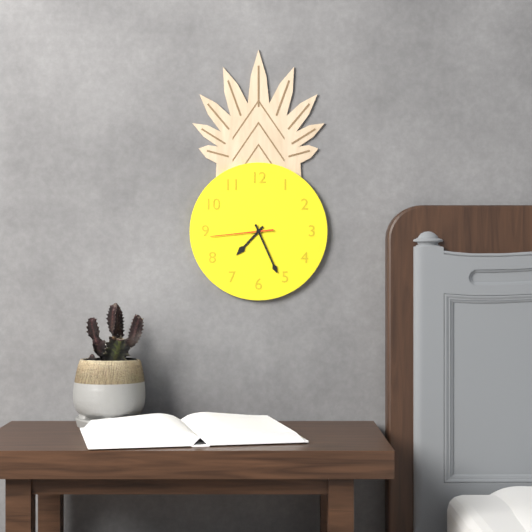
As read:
h=7 m=26 s=44
